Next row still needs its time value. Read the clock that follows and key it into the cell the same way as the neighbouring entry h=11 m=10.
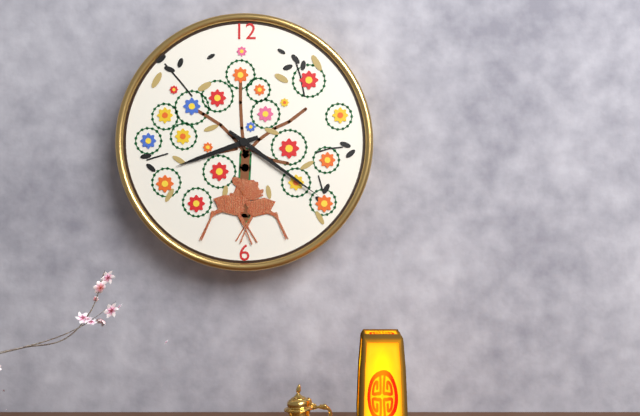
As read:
h=8 m=21
